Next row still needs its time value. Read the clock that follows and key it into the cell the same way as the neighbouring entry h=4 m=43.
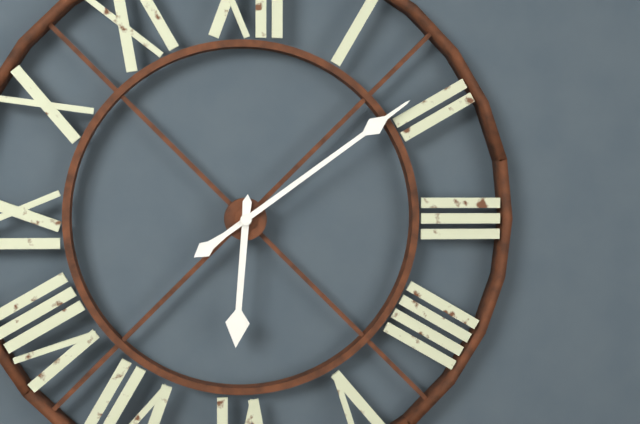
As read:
h=6 m=9
